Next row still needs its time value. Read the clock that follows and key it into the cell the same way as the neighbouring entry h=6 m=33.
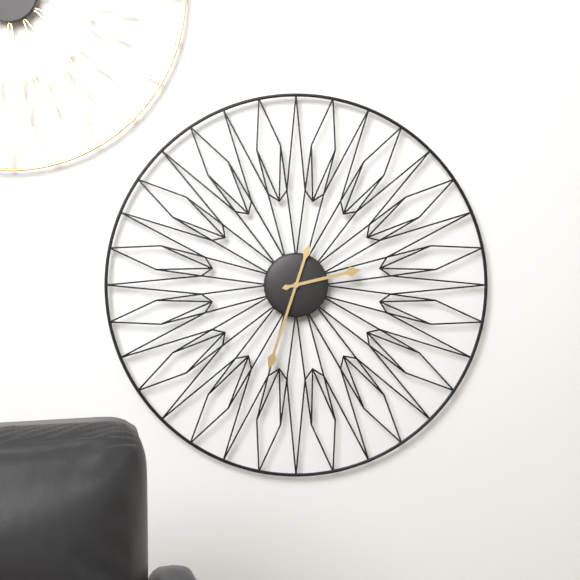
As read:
h=2 m=33
